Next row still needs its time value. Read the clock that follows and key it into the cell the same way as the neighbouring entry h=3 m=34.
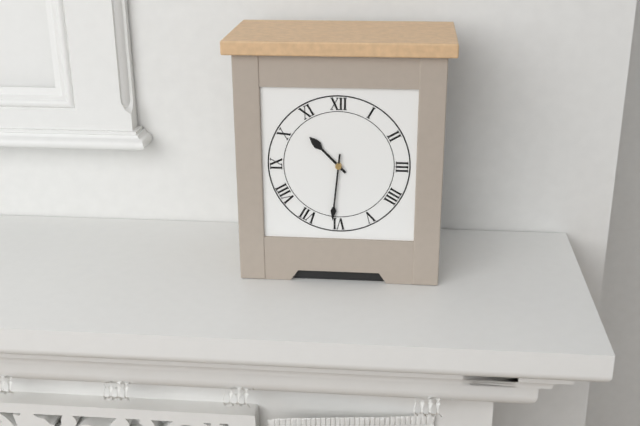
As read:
h=10 m=31
